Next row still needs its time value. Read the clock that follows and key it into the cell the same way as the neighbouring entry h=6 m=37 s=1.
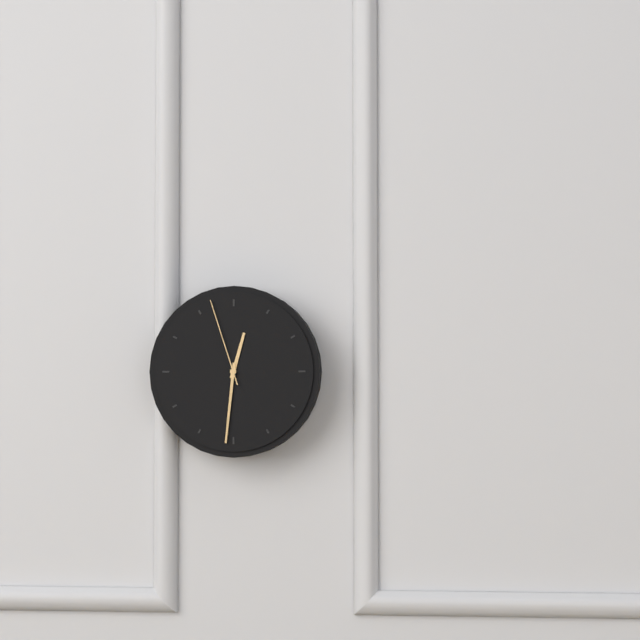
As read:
h=12 m=31 s=57
